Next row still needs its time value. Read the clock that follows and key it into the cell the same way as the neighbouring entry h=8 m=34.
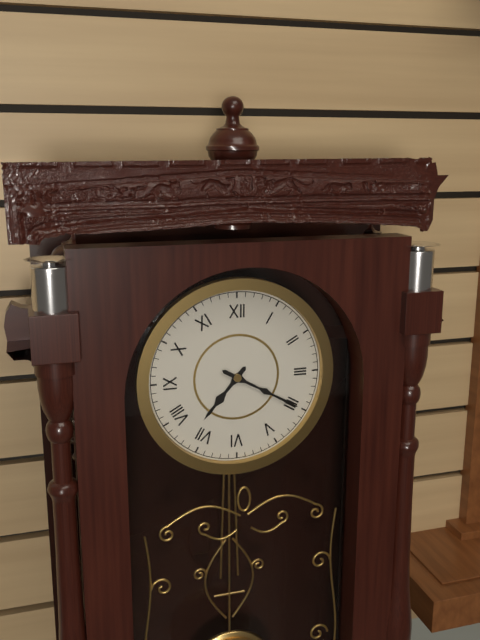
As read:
h=7 m=20
